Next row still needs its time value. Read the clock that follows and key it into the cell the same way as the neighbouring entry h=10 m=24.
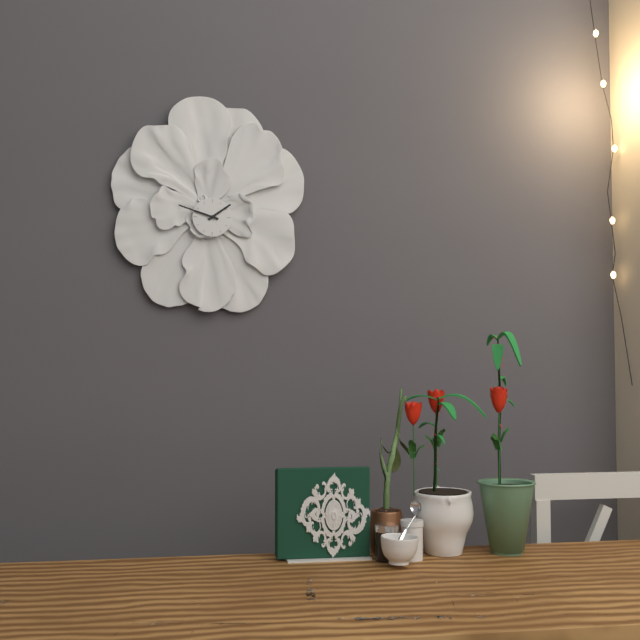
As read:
h=1 m=48
